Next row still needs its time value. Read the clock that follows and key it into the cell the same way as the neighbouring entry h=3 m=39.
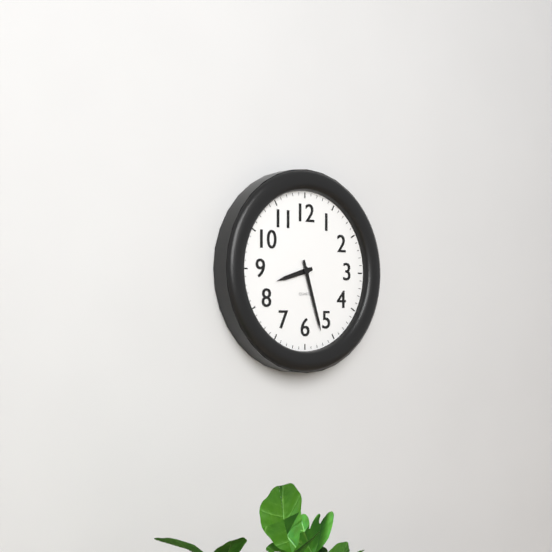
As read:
h=8 m=27
